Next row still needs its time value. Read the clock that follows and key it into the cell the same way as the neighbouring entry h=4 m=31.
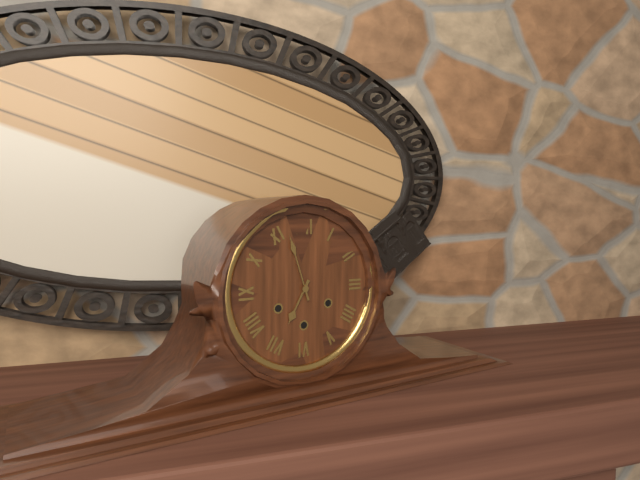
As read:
h=6 m=57
